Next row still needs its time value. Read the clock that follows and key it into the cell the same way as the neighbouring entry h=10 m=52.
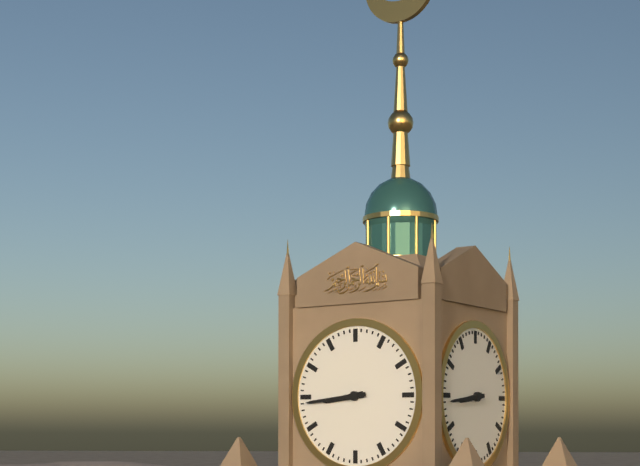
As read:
h=8 m=44
